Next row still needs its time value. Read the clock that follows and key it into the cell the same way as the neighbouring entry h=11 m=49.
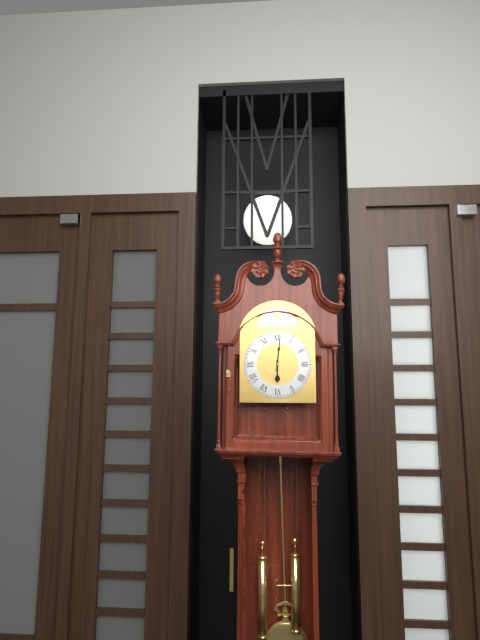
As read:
h=6 m=1
